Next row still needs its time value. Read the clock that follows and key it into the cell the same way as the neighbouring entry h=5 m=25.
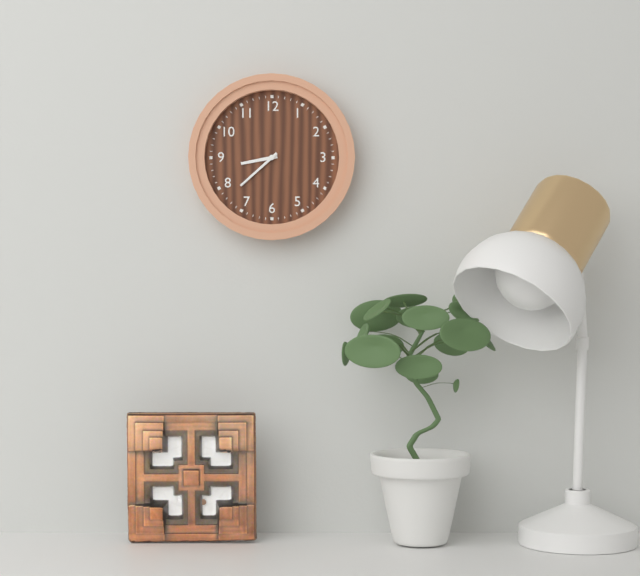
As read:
h=8 m=38
